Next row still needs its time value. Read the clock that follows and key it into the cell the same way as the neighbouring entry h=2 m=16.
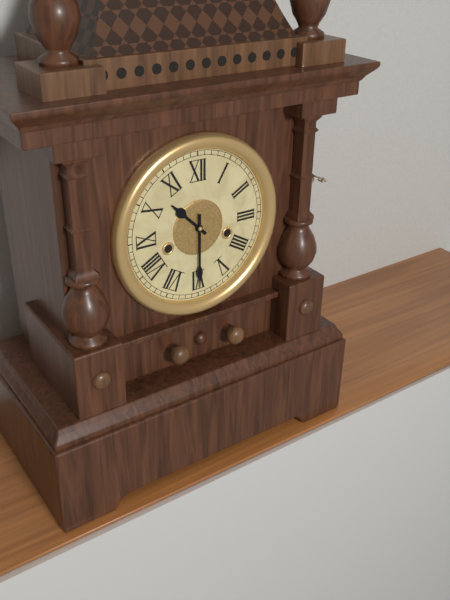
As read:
h=10 m=30
